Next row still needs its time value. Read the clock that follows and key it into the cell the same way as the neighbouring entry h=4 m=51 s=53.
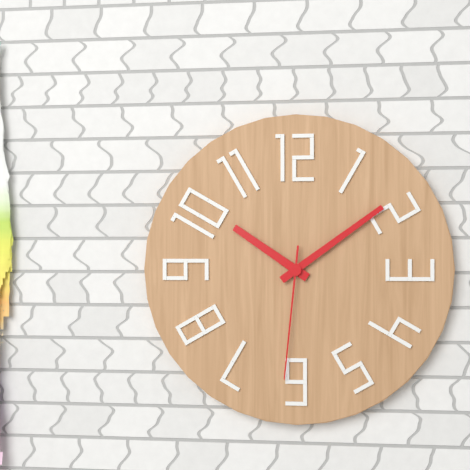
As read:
h=10 m=9 s=31
